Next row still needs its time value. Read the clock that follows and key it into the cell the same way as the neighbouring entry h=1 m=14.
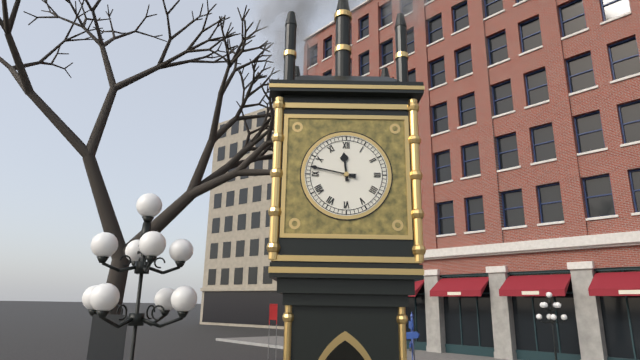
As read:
h=11 m=47
